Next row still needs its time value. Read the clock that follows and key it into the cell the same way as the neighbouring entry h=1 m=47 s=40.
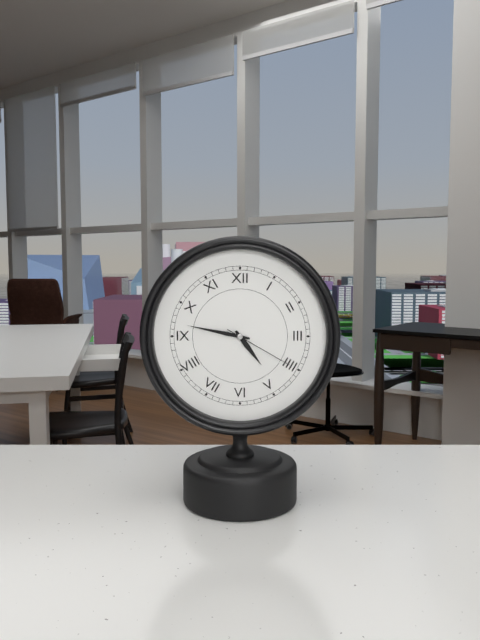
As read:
h=4 m=47 s=20
